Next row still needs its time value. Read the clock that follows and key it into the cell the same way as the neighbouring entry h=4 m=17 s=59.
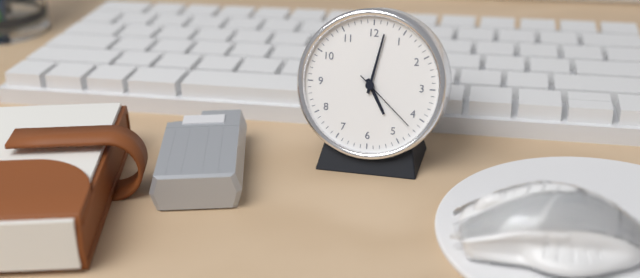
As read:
h=5 m=2 s=22
